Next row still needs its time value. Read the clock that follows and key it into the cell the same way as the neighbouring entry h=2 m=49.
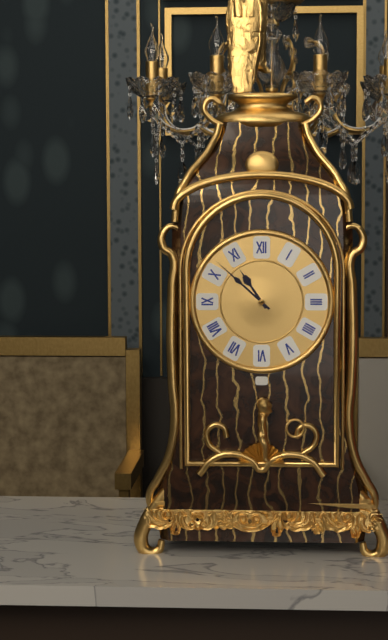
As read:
h=10 m=52
